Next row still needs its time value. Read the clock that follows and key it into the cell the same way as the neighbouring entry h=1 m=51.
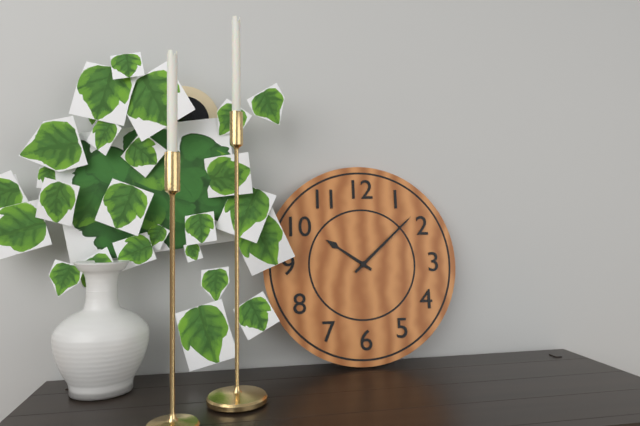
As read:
h=10 m=8
